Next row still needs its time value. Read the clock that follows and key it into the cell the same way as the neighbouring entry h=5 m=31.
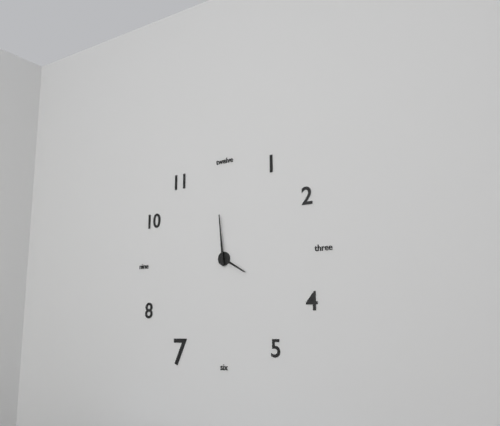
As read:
h=3 m=59
